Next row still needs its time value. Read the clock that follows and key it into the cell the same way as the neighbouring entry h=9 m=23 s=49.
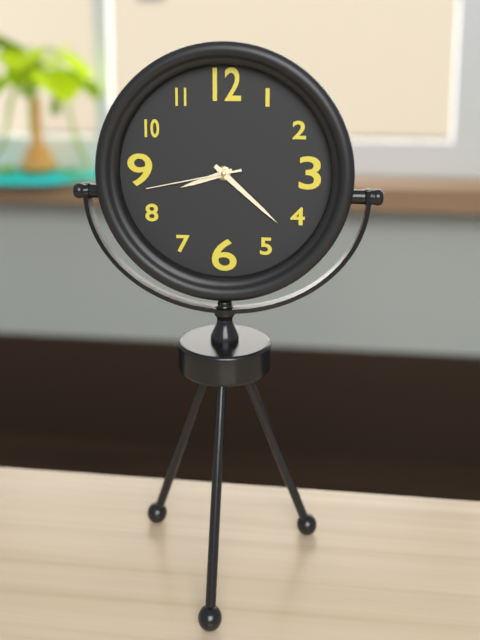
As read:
h=8 m=22 s=43
